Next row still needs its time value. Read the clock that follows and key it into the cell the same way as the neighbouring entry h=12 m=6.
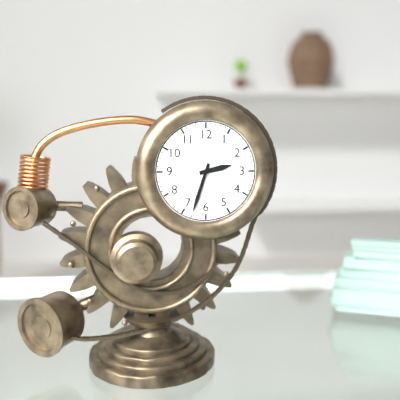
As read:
h=2 m=33
